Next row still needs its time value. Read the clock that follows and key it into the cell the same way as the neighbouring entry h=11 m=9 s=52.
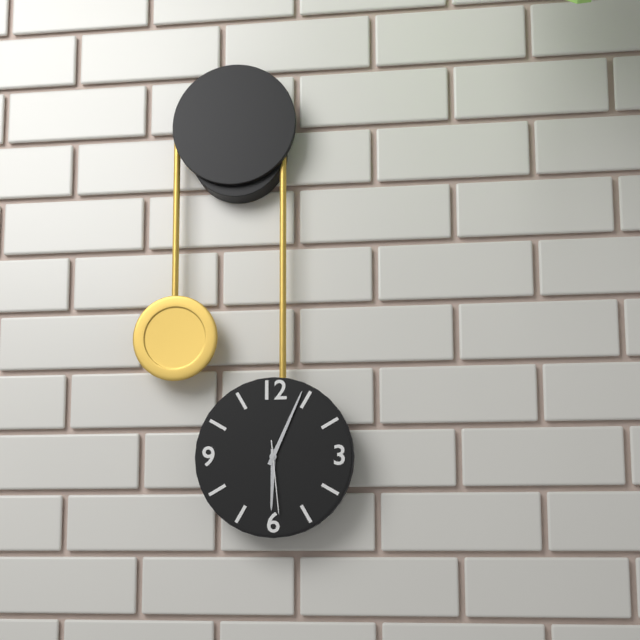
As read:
h=6 m=4 s=29
